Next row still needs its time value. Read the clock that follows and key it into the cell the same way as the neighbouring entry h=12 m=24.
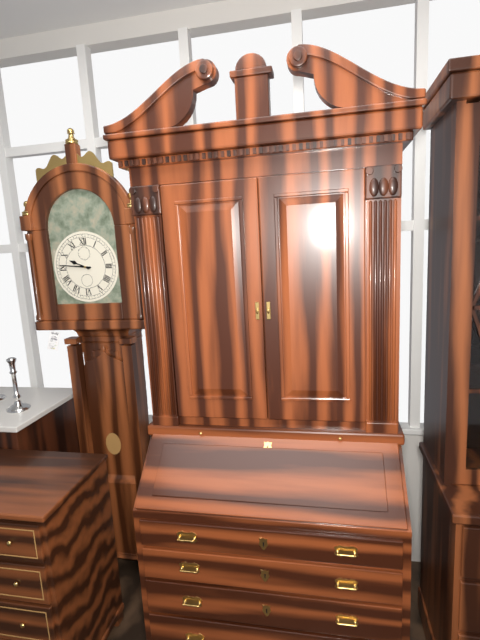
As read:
h=9 m=46
